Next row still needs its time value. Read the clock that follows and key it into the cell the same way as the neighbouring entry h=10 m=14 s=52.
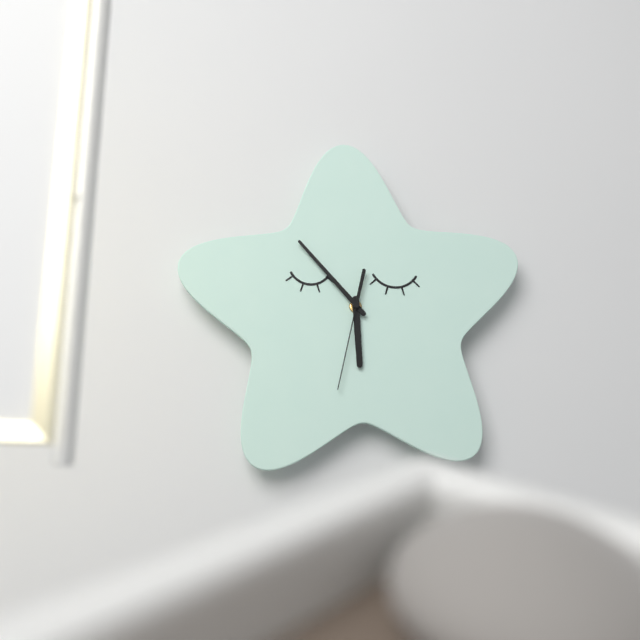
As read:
h=5 m=53 s=32
